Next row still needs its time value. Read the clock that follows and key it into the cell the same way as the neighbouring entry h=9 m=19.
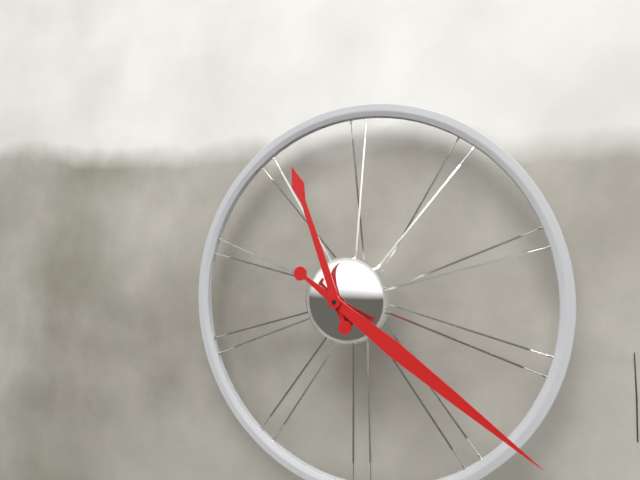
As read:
h=11 m=21
